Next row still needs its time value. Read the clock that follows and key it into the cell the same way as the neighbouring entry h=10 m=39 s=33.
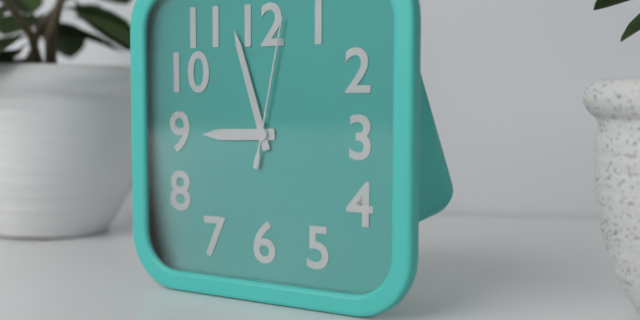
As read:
h=8 m=57 s=2
